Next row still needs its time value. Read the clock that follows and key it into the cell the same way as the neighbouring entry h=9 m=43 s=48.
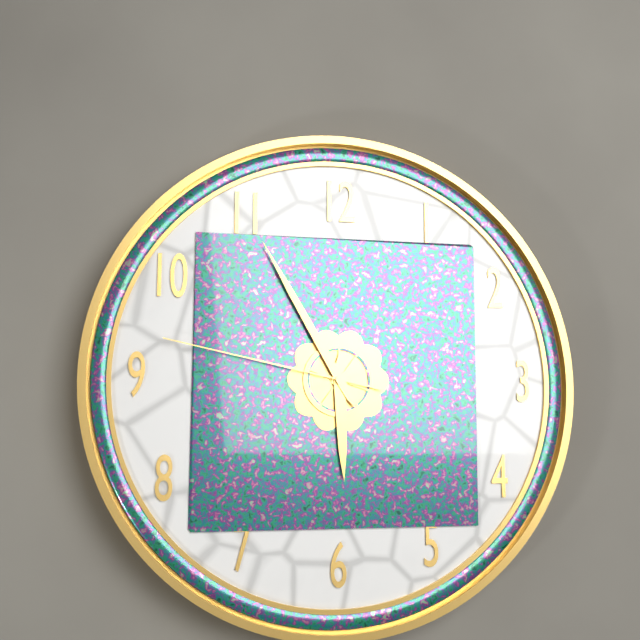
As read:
h=5 m=55 s=47
